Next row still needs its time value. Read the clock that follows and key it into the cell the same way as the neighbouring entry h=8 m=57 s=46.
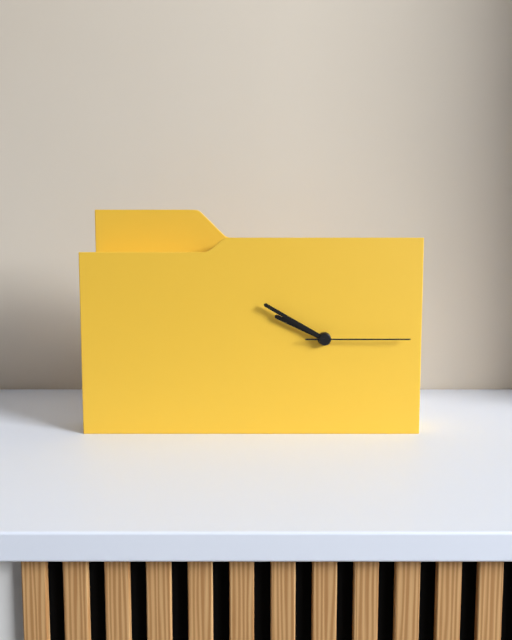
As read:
h=9 m=50 s=15
